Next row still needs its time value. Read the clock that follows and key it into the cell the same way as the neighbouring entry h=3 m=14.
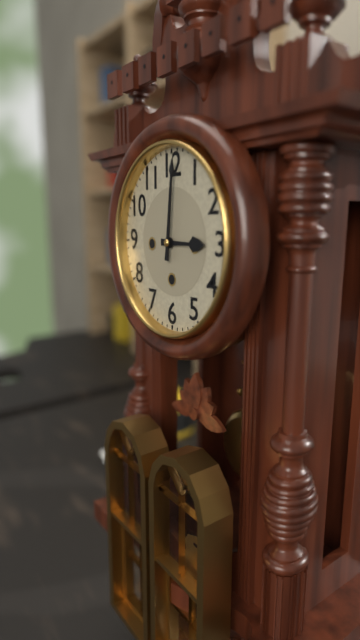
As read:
h=3 m=1
